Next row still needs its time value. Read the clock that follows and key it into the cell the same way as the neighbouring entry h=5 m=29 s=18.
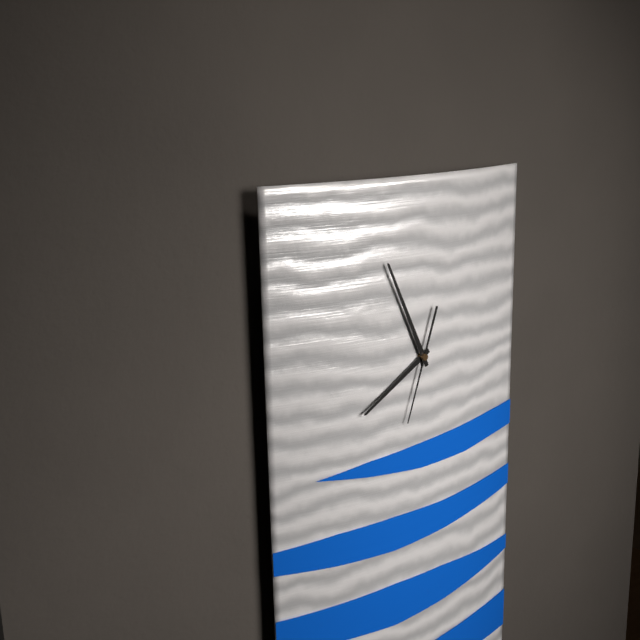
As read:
h=7 m=56 s=33
